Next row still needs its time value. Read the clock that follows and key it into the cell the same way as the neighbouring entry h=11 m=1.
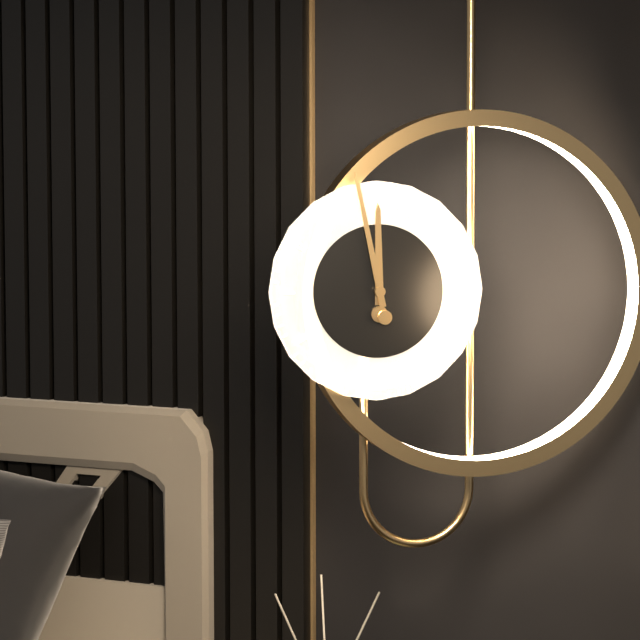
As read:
h=11 m=58
